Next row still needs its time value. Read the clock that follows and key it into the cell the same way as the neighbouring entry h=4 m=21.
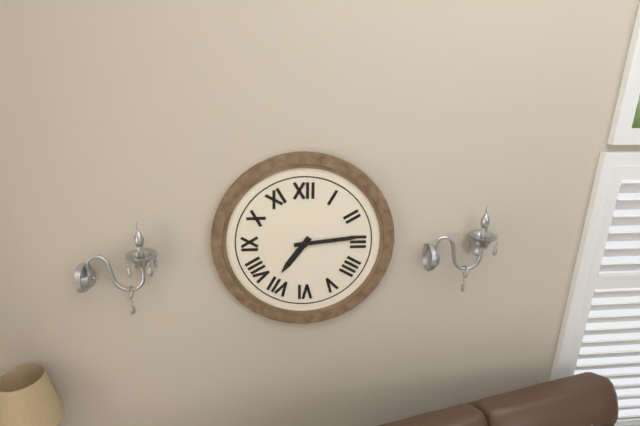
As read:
h=7 m=14
